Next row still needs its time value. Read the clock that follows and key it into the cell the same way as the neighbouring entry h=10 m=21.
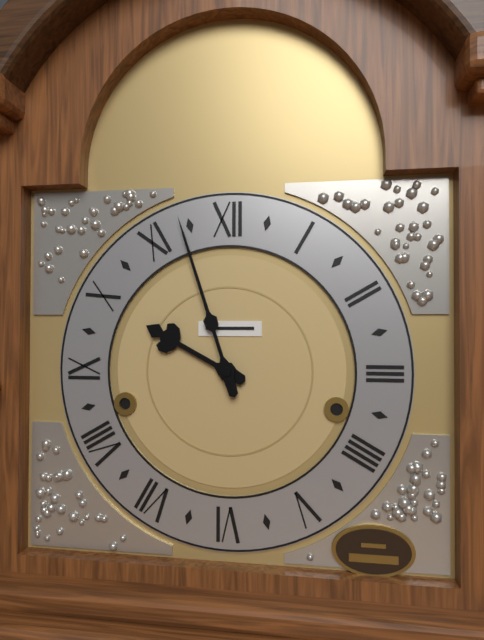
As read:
h=9 m=57
